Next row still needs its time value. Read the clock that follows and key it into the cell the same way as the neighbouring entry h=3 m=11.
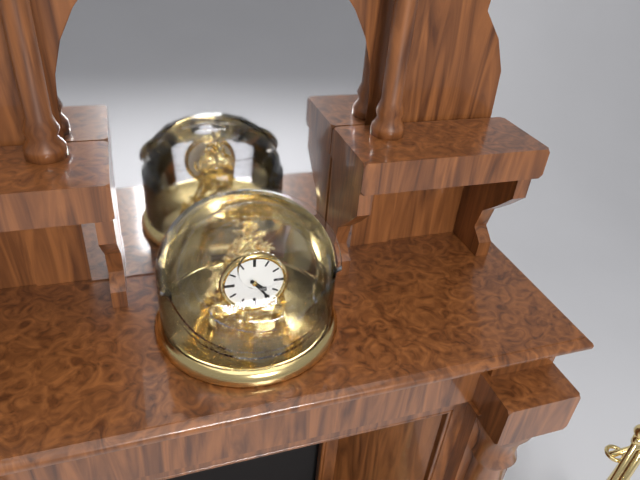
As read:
h=4 m=24
